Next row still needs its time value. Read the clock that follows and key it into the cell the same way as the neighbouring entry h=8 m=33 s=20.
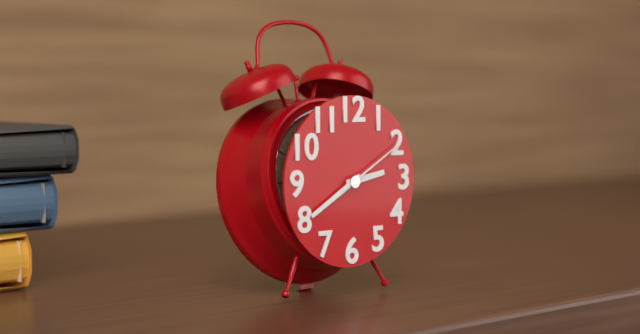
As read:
h=2 m=40 s=10
